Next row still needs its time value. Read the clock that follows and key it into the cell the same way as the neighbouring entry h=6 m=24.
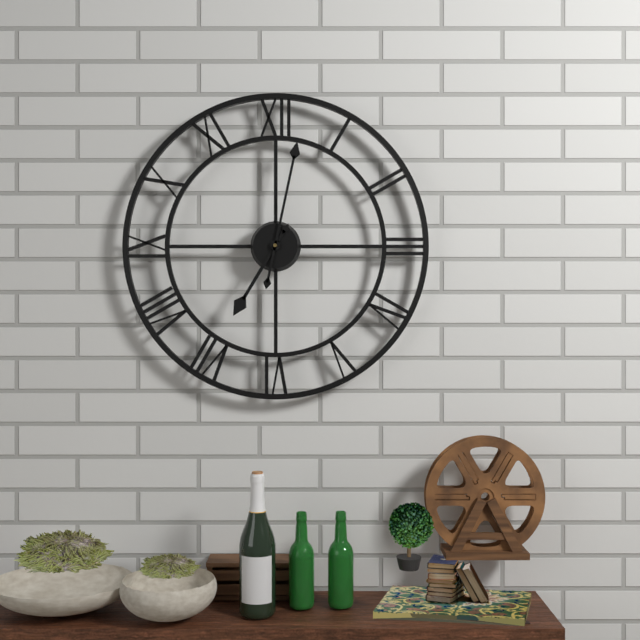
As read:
h=7 m=2
